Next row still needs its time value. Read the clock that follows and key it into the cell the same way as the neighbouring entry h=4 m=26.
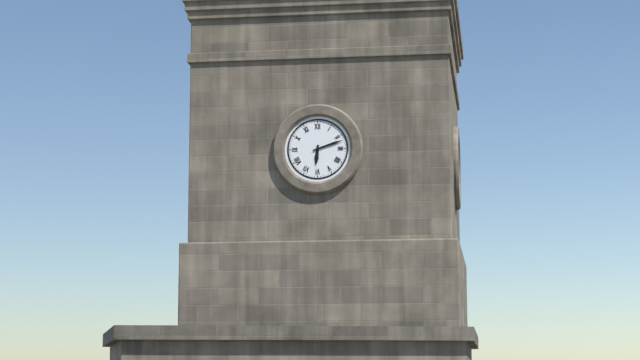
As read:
h=6 m=12
